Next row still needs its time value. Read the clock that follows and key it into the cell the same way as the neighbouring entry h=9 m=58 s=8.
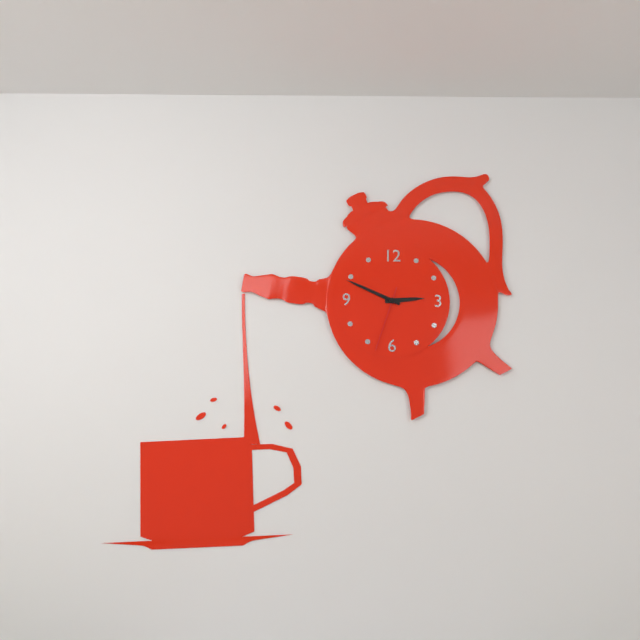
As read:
h=2 m=49 s=33
